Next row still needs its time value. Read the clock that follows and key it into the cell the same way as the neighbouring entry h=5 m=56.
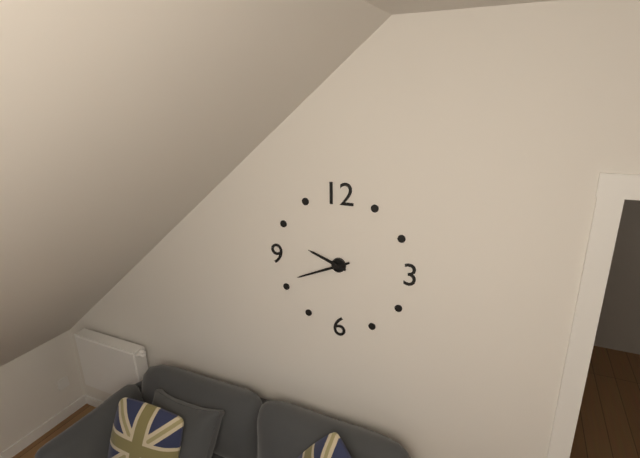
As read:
h=9 m=41
